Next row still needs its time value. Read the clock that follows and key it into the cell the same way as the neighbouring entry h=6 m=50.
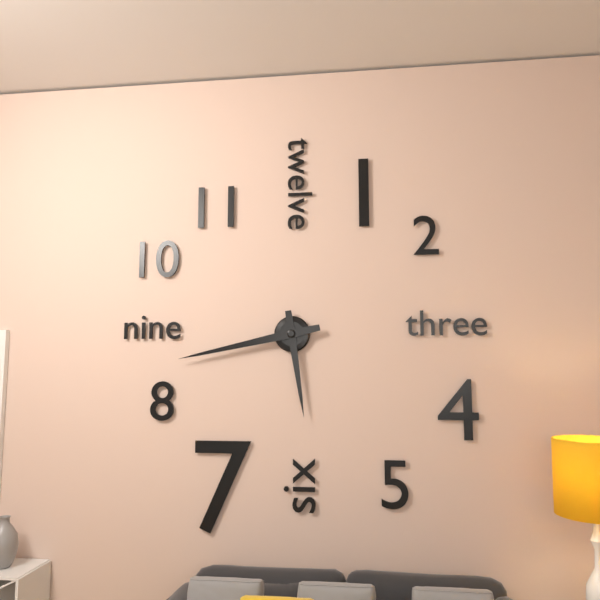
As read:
h=5 m=43
